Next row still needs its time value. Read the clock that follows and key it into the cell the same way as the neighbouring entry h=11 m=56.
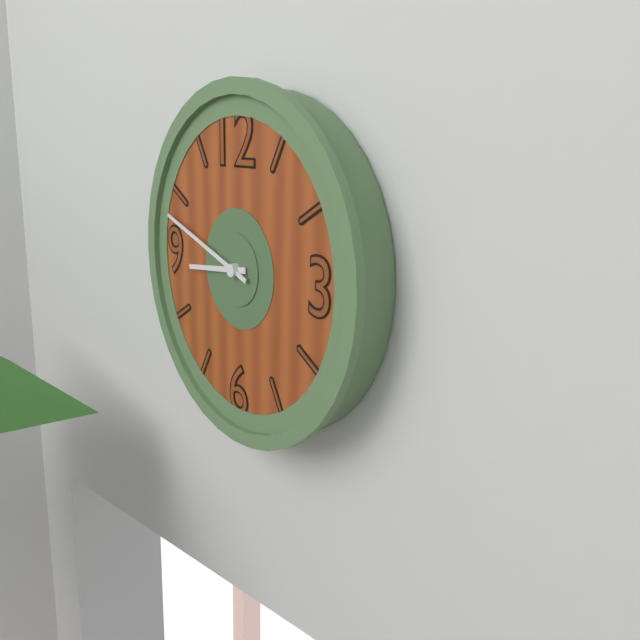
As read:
h=8 m=48
